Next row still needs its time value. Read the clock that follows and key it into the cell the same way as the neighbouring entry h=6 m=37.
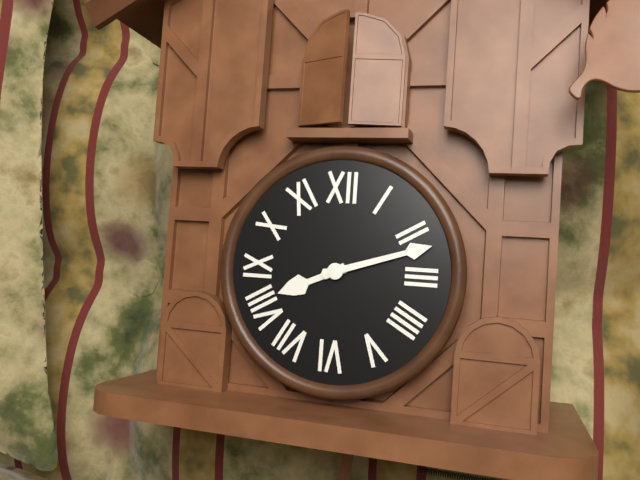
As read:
h=8 m=12
